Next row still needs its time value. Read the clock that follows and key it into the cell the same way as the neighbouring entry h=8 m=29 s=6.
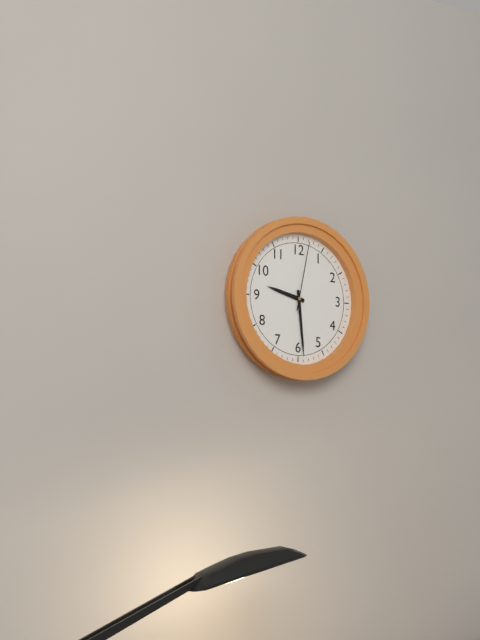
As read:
h=9 m=29 s=2
